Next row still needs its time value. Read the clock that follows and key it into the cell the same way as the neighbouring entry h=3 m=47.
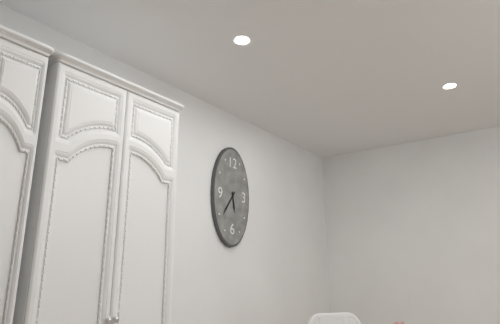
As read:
h=5 m=36
